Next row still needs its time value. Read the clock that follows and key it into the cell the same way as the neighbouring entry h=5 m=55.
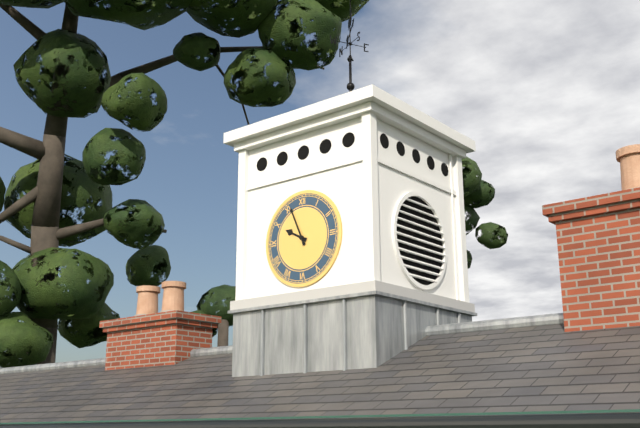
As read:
h=9 m=56
